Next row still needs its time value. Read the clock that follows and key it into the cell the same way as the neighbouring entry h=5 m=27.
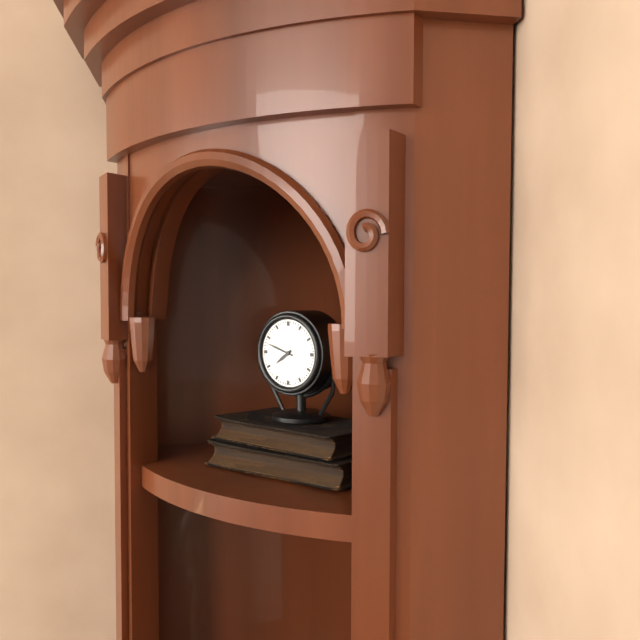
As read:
h=7 m=48
